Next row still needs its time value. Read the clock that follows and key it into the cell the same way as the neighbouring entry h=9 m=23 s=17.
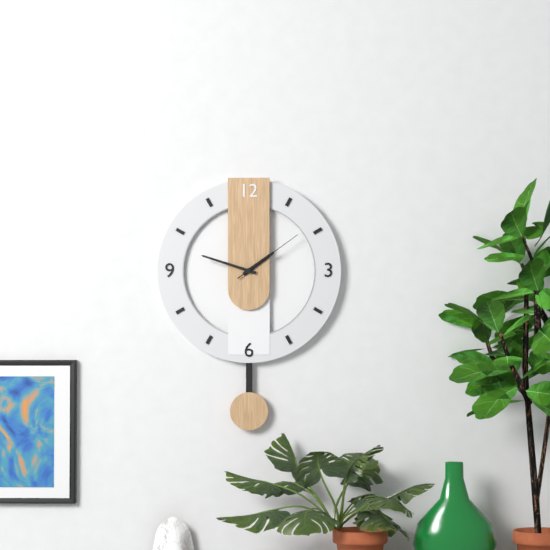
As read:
h=1 m=48 s=9
